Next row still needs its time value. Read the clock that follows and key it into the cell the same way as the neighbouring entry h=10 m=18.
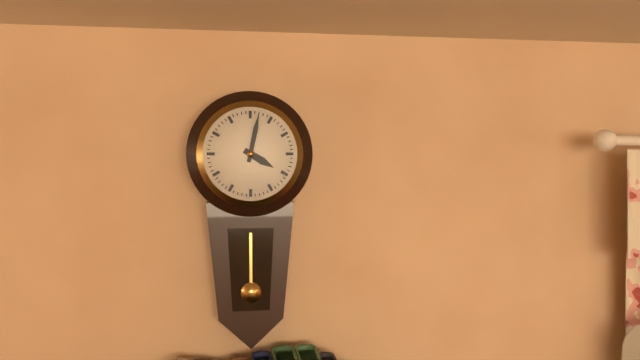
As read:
h=4 m=2
